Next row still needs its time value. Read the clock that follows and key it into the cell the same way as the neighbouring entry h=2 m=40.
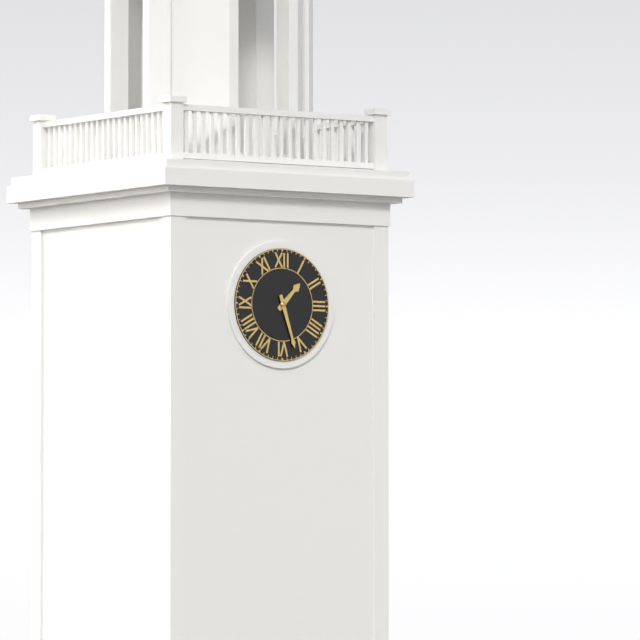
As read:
h=1 m=27
